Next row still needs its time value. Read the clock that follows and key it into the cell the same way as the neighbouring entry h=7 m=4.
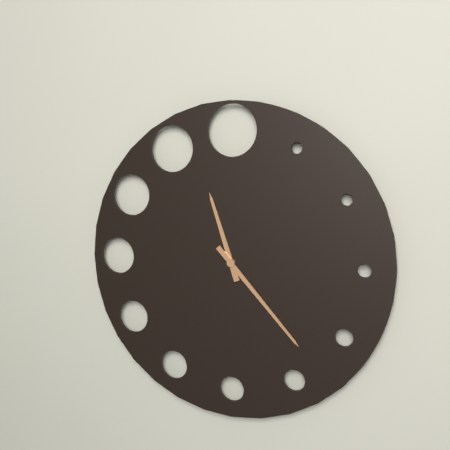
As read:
h=11 m=23
